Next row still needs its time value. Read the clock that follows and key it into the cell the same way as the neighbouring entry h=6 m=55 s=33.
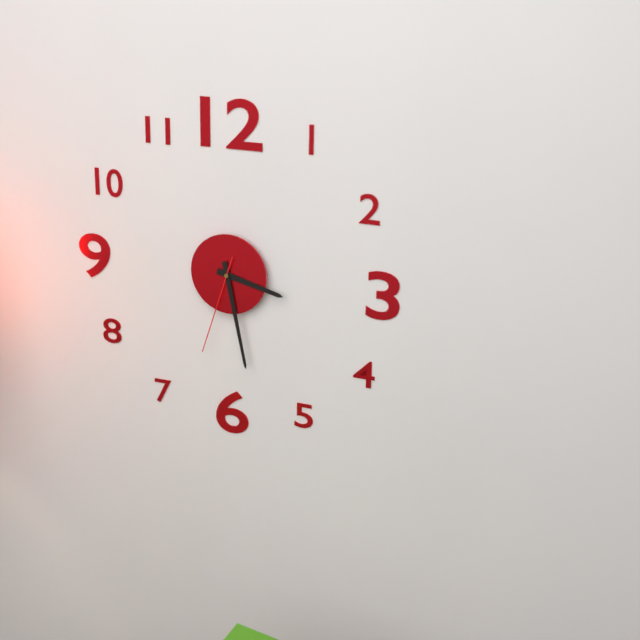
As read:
h=3 m=28 s=33
